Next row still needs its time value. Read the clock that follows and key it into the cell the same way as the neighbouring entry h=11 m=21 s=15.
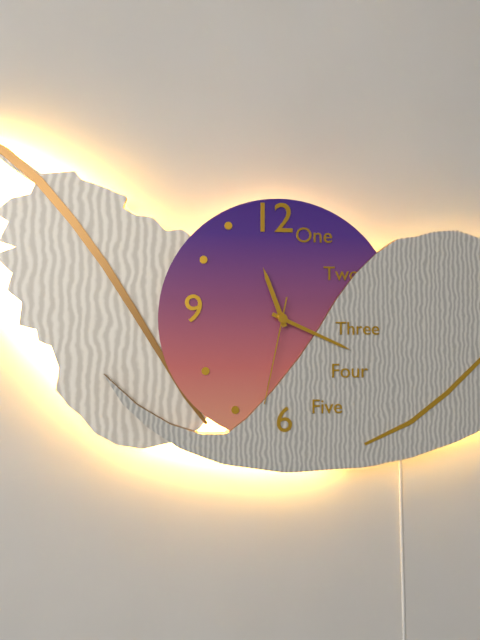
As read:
h=11 m=19 s=32
